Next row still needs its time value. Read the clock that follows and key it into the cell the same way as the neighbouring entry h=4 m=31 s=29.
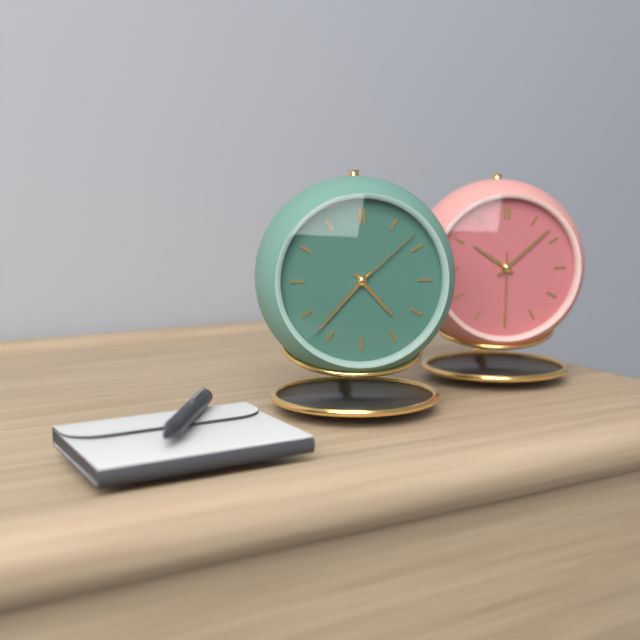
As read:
h=4 m=37 s=8
